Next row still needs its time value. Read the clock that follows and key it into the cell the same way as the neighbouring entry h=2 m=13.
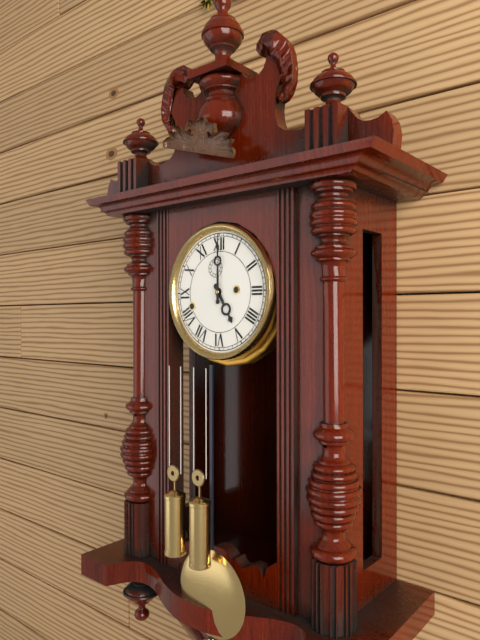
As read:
h=5 m=0
